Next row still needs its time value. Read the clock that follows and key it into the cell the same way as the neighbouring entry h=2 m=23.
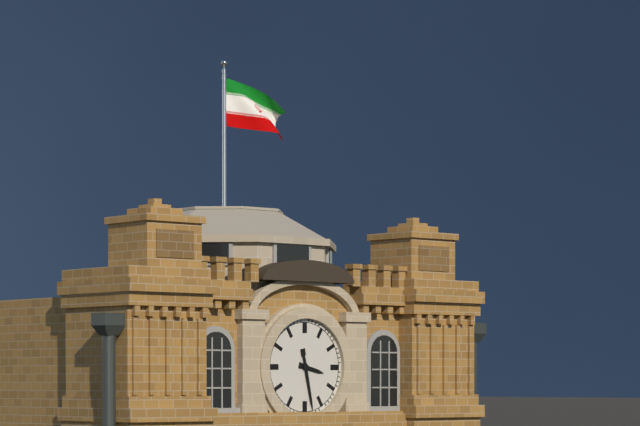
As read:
h=3 m=28
